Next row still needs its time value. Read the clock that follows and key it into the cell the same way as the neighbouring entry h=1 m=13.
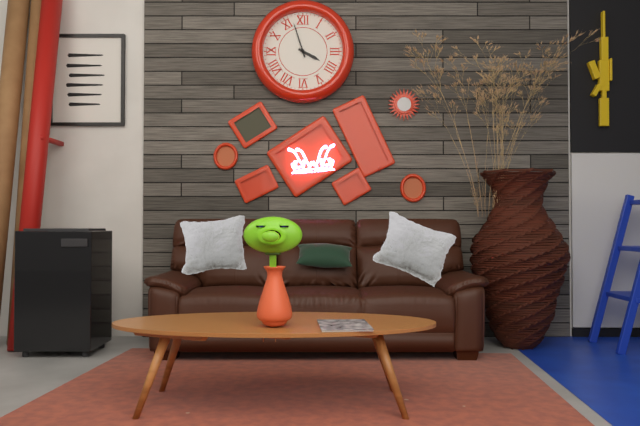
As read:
h=3 m=57
